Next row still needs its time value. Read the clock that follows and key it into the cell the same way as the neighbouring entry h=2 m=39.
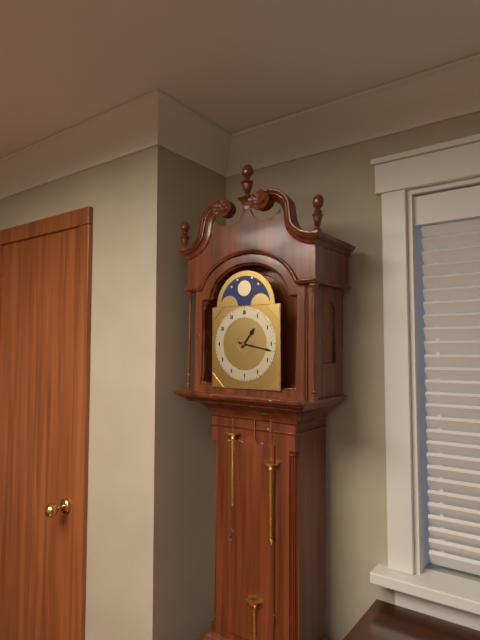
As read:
h=1 m=17
